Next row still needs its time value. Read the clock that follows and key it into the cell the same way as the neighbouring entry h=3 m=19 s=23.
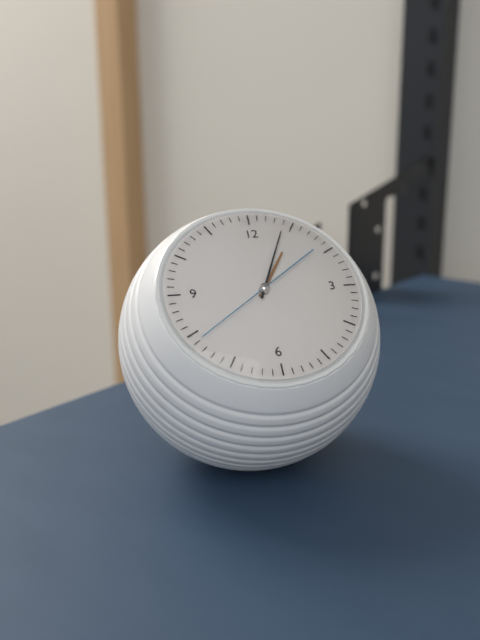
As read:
h=1 m=4 s=39
